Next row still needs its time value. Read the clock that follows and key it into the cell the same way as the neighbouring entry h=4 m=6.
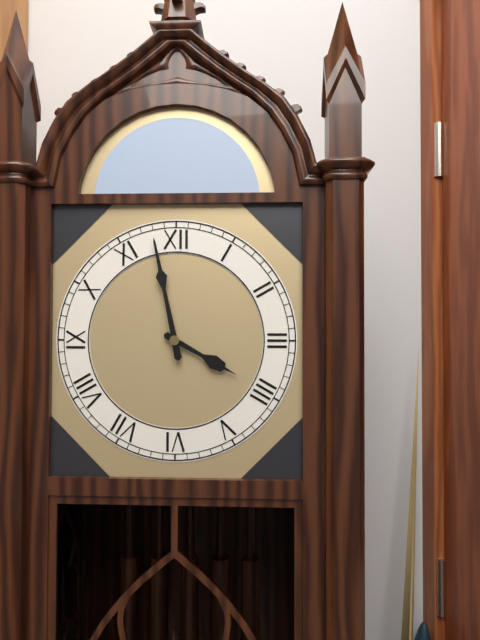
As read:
h=3 m=58
